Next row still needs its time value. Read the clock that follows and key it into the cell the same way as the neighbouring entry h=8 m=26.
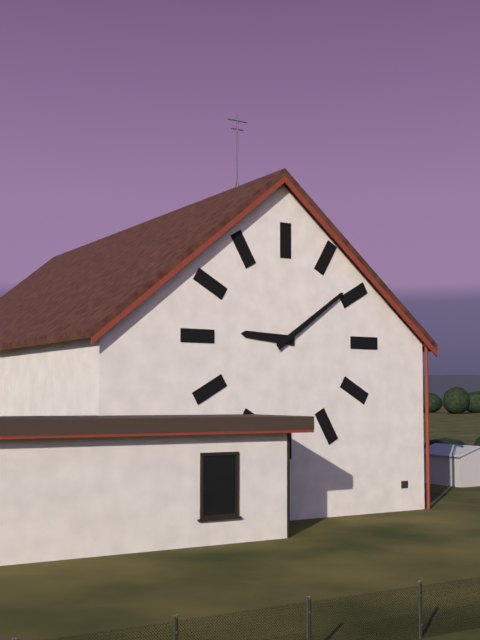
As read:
h=9 m=9
